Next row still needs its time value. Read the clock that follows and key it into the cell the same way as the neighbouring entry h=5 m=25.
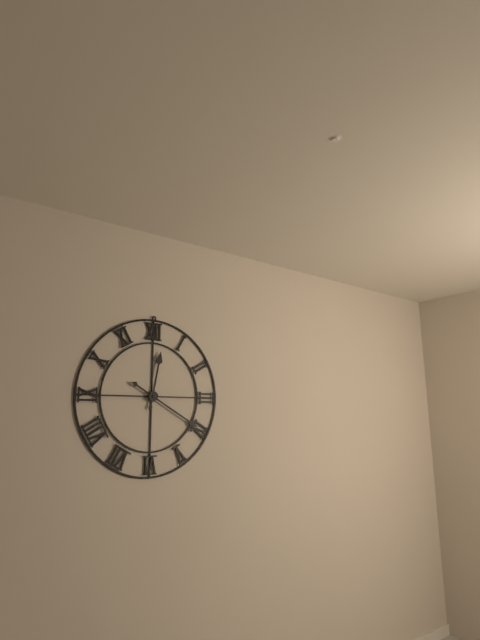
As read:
h=12 m=20
